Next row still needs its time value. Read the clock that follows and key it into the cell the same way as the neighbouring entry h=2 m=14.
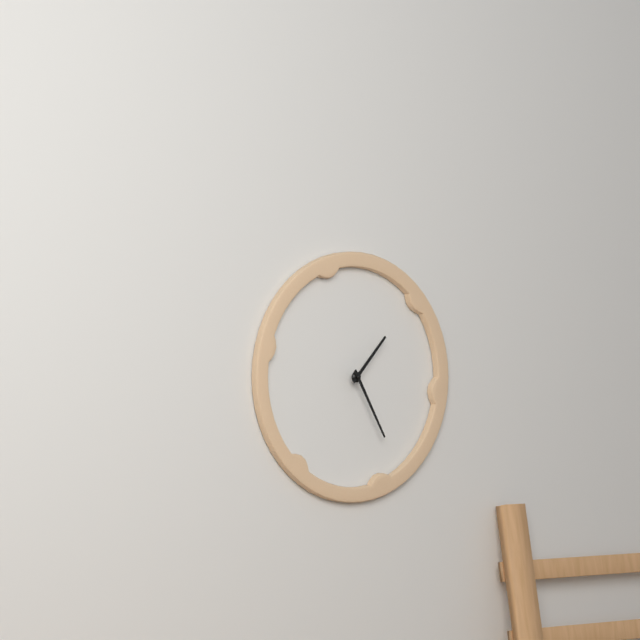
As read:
h=1 m=25
